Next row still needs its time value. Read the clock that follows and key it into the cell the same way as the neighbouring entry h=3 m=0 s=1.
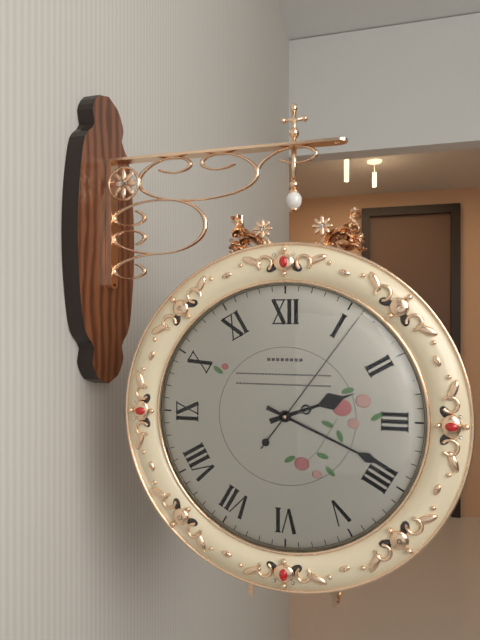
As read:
h=2 m=19 s=6
